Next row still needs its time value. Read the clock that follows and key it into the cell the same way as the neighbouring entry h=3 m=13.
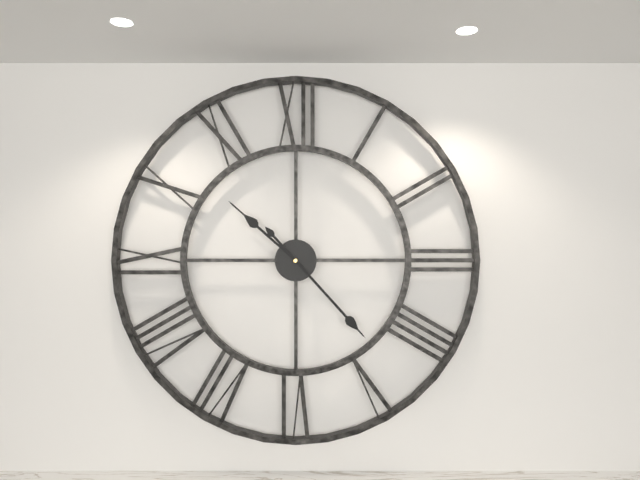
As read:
h=10 m=23
